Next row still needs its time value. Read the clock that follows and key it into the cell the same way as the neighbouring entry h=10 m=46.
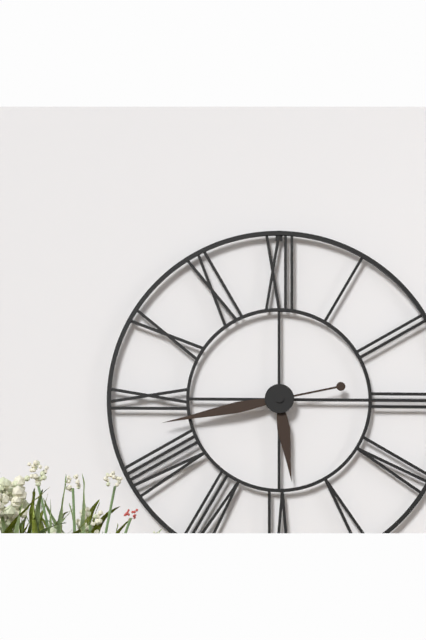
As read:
h=5 m=43
